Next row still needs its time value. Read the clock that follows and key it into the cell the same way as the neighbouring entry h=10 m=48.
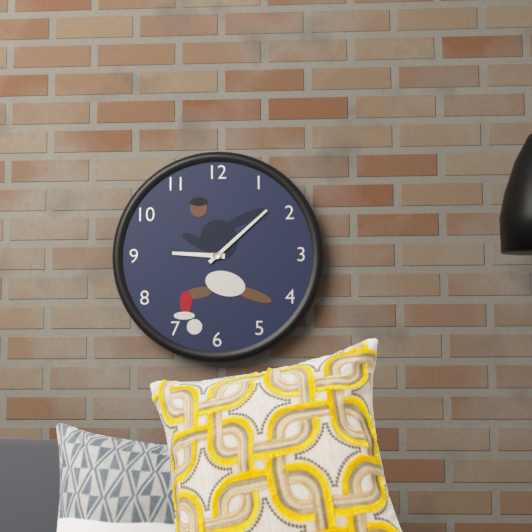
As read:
h=9 m=8
